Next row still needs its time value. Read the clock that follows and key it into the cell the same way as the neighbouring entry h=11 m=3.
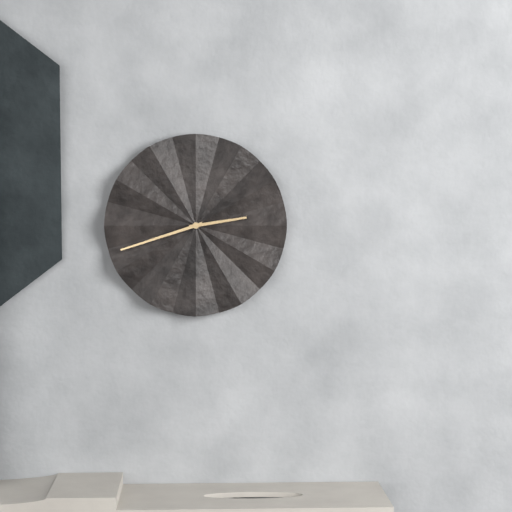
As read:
h=2 m=42
